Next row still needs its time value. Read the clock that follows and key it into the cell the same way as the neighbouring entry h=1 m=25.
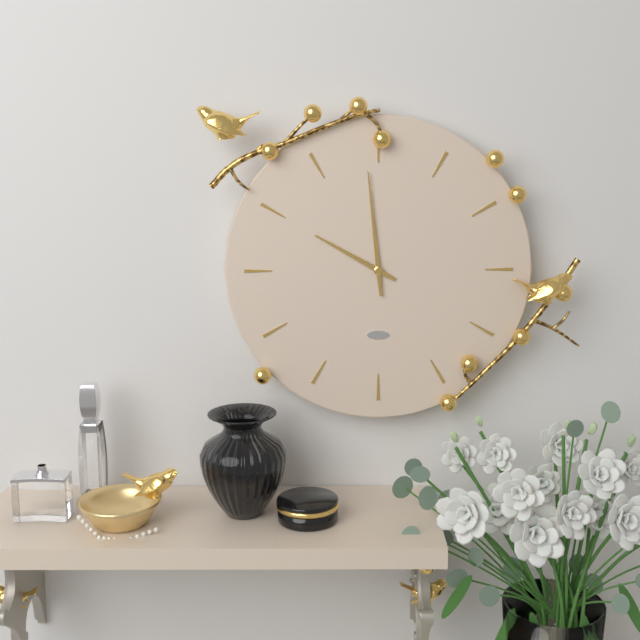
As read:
h=9 m=59
